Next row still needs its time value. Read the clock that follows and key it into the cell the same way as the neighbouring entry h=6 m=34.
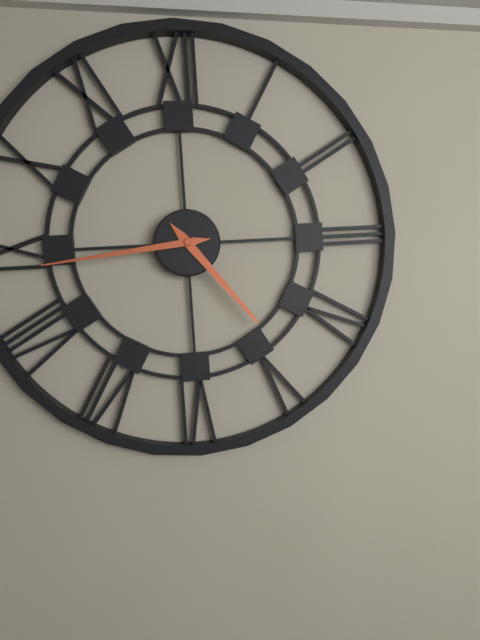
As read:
h=4 m=44
